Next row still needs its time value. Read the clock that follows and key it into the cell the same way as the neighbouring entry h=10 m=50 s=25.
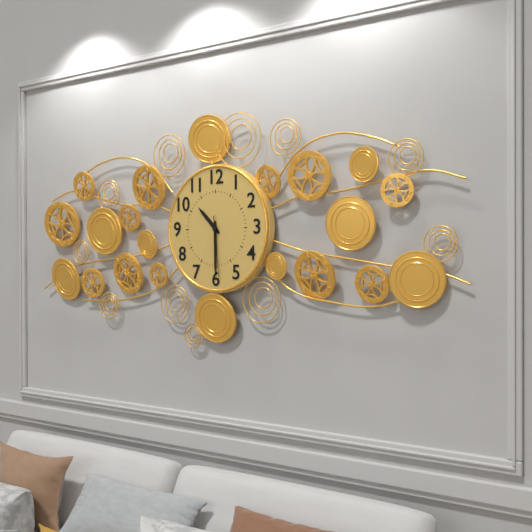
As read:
h=10 m=30 s=29
